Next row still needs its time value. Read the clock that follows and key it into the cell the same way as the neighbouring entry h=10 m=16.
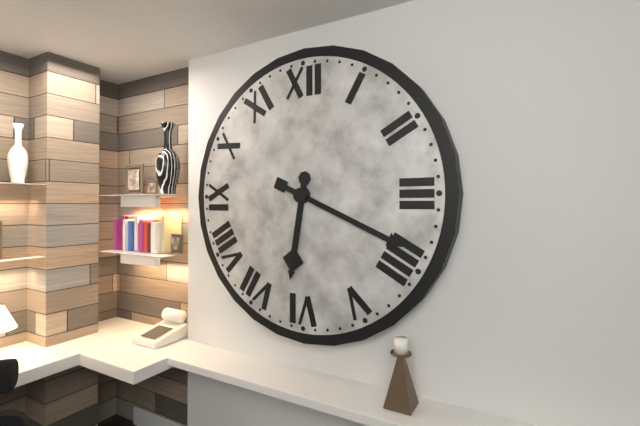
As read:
h=6 m=19
